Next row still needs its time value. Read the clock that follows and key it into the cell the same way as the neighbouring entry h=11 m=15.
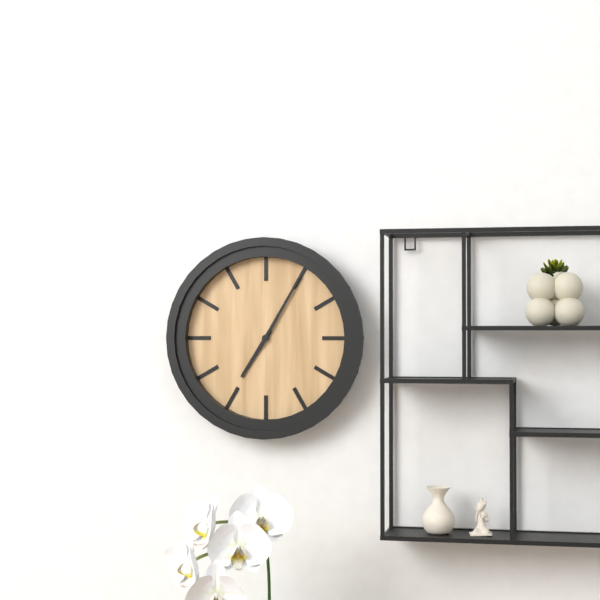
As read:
h=7 m=5
